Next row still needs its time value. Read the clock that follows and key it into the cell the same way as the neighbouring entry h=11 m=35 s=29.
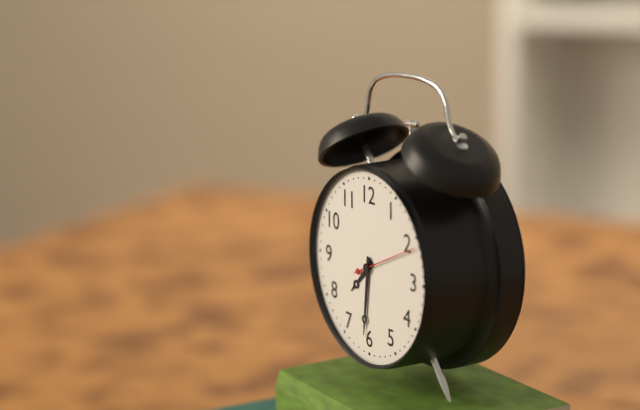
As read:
h=7 m=31 s=11
